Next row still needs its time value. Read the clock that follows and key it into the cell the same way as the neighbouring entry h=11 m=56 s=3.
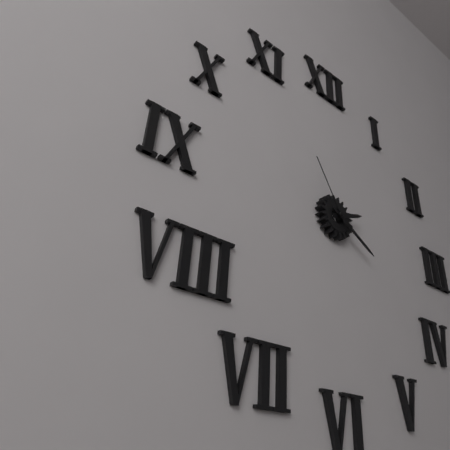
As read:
h=2 m=20 s=55
